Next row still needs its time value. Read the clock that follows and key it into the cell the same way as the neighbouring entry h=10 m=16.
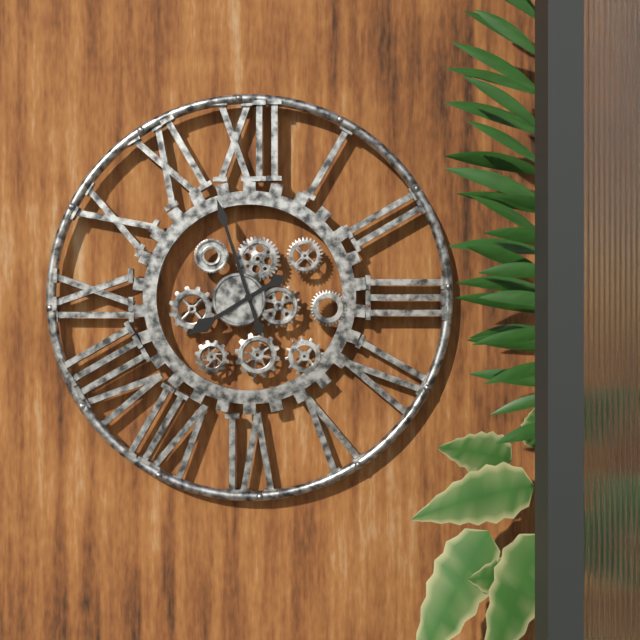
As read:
h=7 m=57
